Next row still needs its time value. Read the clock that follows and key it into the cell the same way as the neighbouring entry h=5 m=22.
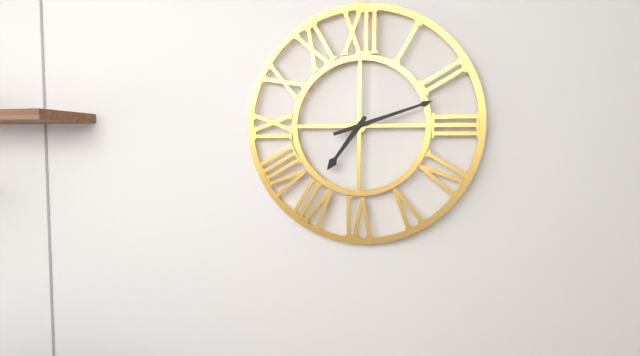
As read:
h=7 m=12
